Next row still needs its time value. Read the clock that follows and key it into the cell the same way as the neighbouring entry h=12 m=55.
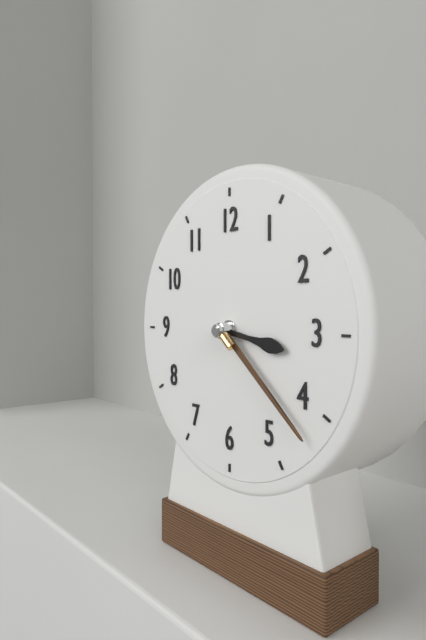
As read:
h=3 m=22
